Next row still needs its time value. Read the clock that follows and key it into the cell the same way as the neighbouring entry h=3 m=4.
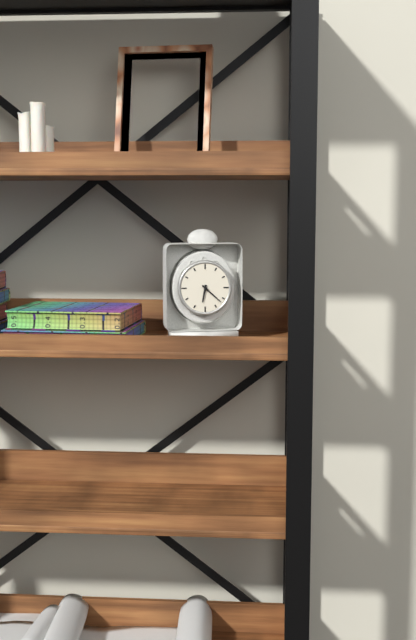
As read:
h=6 m=22
